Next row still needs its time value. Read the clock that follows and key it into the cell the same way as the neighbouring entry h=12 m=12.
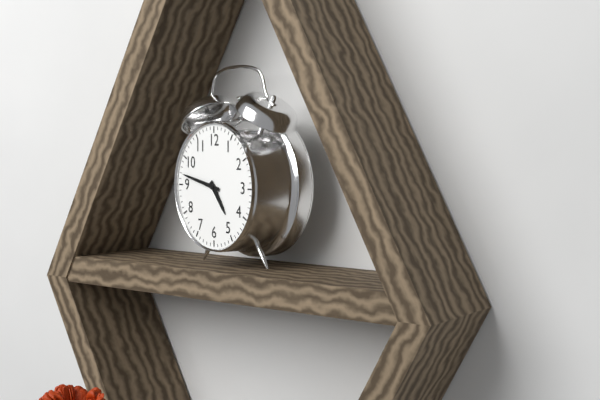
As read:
h=4 m=47
